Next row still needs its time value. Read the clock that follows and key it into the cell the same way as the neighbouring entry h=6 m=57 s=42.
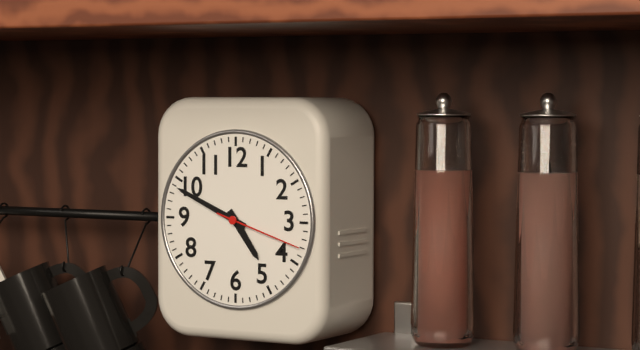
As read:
h=4 m=49 s=18
